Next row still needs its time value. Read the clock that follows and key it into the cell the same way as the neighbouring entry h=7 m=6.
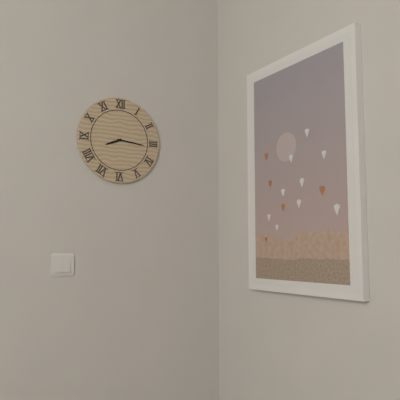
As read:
h=8 m=16
